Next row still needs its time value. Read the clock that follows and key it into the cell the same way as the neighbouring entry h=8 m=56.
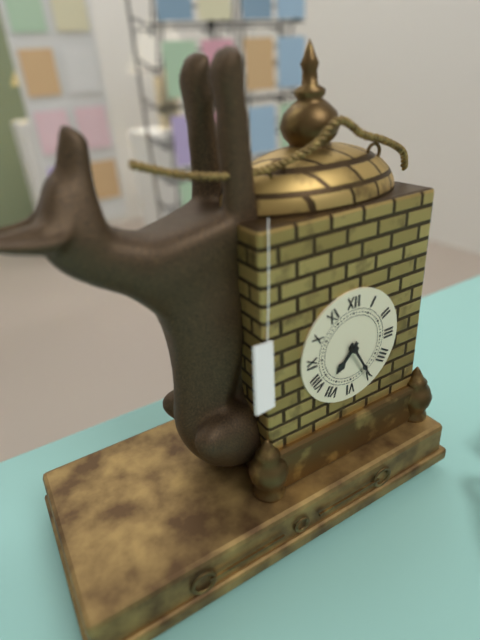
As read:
h=7 m=25
